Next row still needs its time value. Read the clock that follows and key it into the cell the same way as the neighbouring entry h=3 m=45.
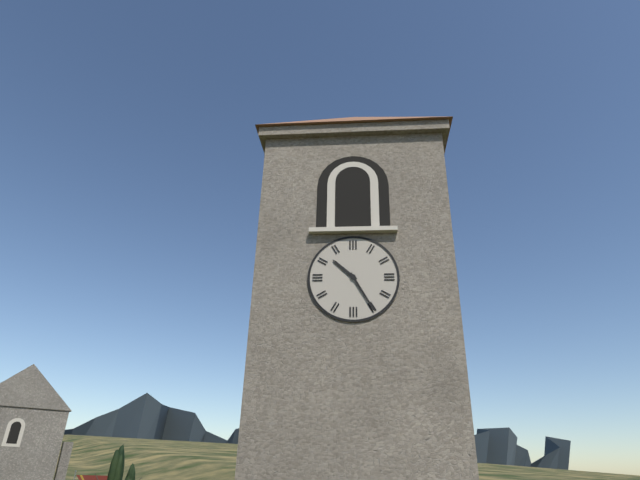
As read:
h=10 m=25
